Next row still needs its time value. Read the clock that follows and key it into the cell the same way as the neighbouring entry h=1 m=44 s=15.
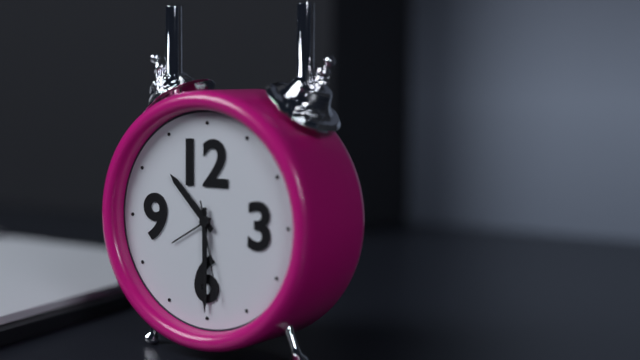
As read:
h=10 m=30 s=28
